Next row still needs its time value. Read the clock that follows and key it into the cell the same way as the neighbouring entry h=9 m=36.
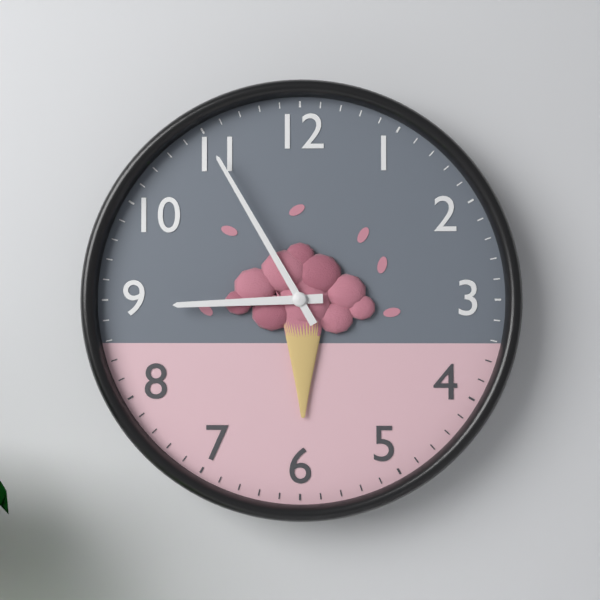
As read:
h=8 m=55
